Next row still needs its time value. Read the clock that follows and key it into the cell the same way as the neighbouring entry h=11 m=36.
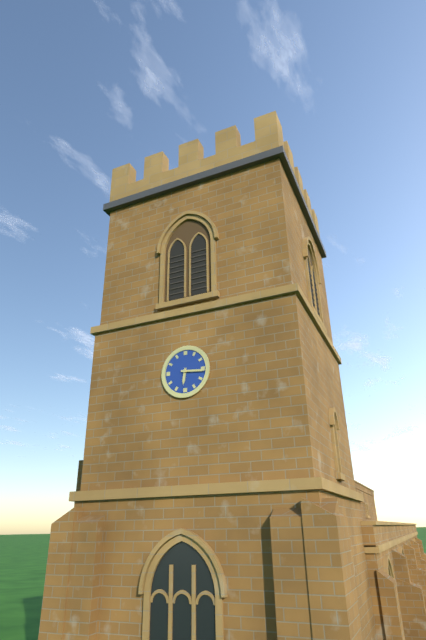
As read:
h=6 m=16
